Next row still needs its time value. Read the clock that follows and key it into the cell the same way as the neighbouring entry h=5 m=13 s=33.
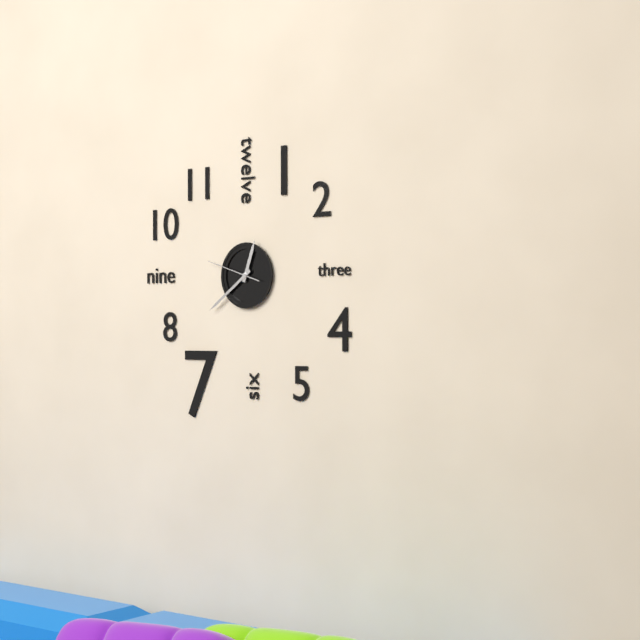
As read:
h=12 m=39 s=48
